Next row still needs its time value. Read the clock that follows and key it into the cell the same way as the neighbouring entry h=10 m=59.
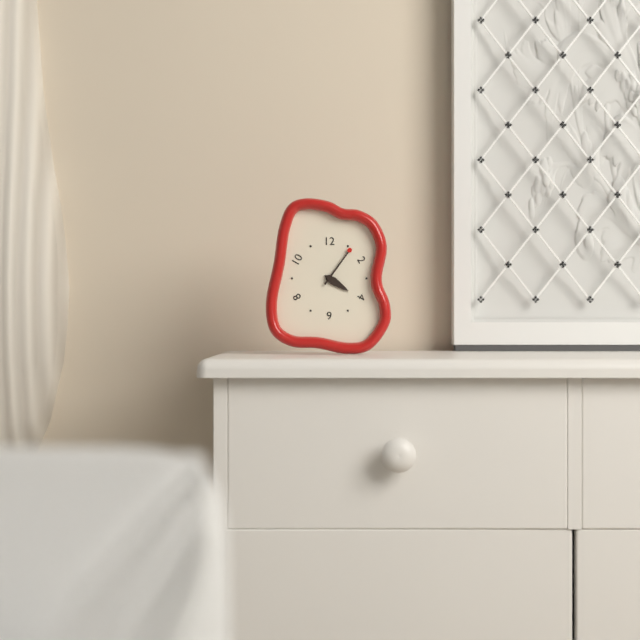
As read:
h=4 m=6
